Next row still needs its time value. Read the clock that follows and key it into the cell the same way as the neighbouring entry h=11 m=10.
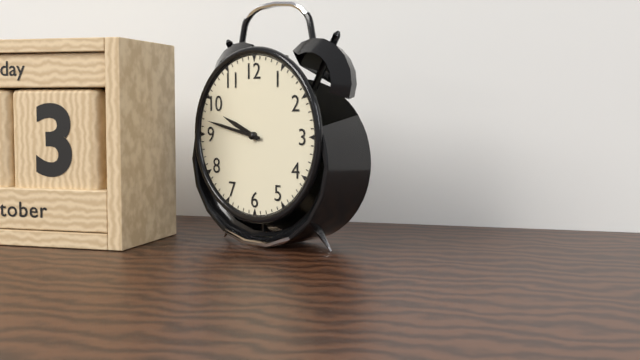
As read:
h=9 m=47
